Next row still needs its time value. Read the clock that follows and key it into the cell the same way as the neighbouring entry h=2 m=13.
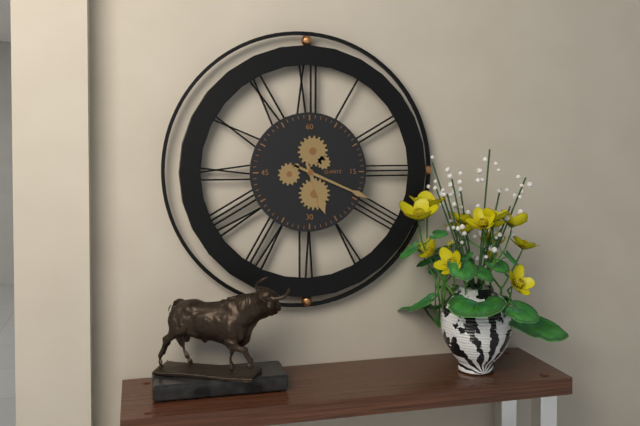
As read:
h=5 m=19
